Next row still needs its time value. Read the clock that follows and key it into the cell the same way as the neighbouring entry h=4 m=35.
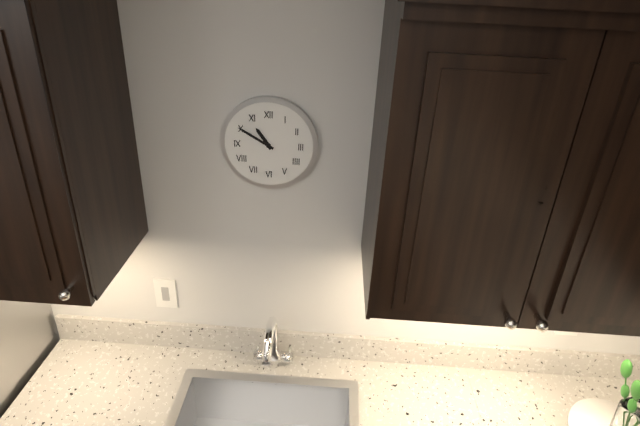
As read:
h=10 m=50
